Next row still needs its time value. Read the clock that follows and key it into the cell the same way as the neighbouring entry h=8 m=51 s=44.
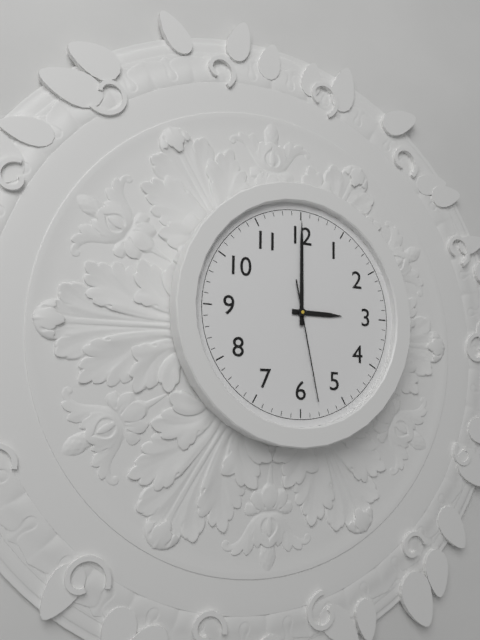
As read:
h=3 m=0 s=28
